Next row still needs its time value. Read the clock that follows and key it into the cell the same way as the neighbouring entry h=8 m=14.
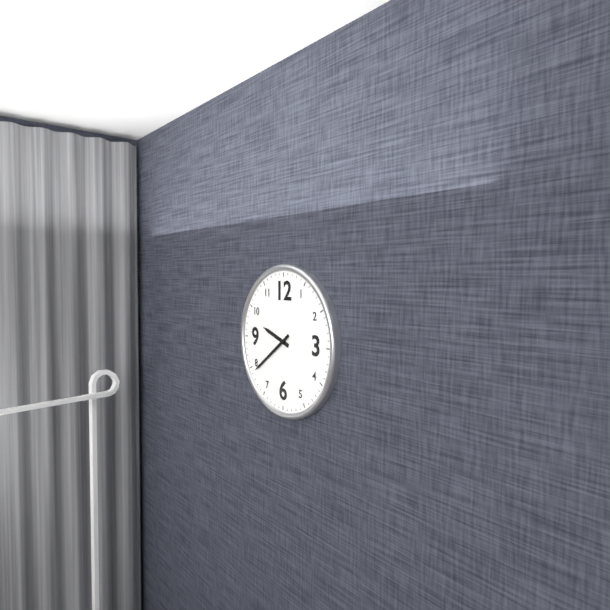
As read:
h=9 m=39
